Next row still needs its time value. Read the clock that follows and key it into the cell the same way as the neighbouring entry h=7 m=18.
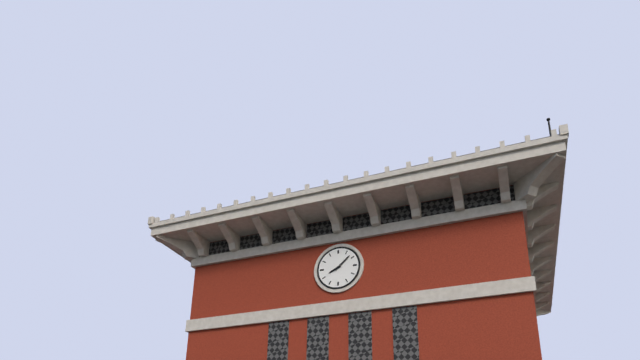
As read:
h=8 m=8
